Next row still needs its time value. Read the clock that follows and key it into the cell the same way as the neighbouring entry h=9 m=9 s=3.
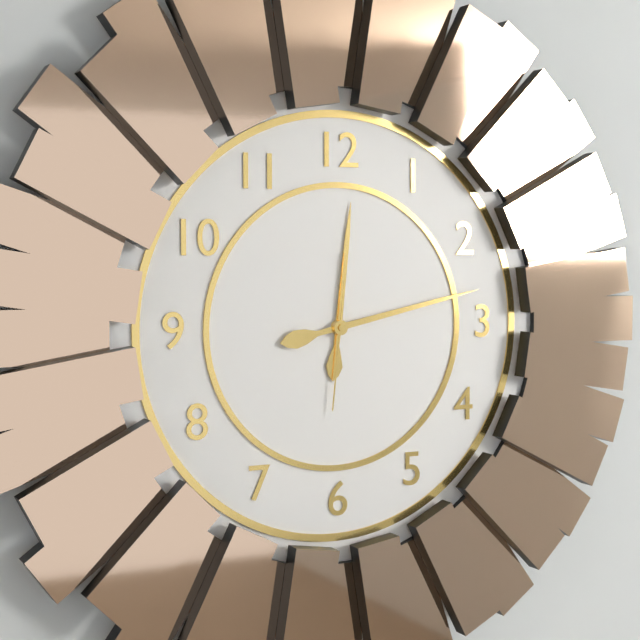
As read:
h=12 m=13 s=31
